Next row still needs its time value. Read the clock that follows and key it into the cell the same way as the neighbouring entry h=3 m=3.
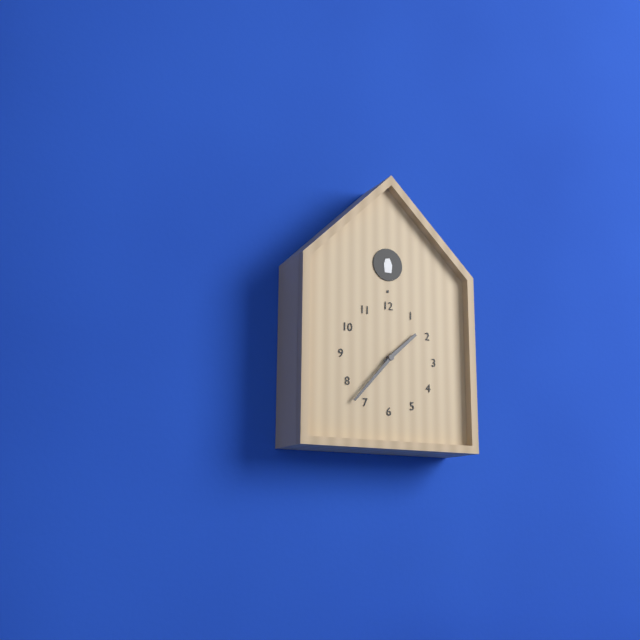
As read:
h=1 m=37
